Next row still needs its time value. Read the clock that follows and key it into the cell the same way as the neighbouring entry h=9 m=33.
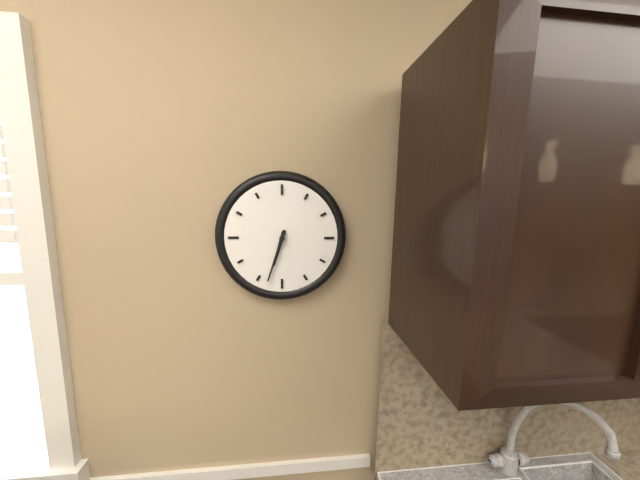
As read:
h=6 m=33
